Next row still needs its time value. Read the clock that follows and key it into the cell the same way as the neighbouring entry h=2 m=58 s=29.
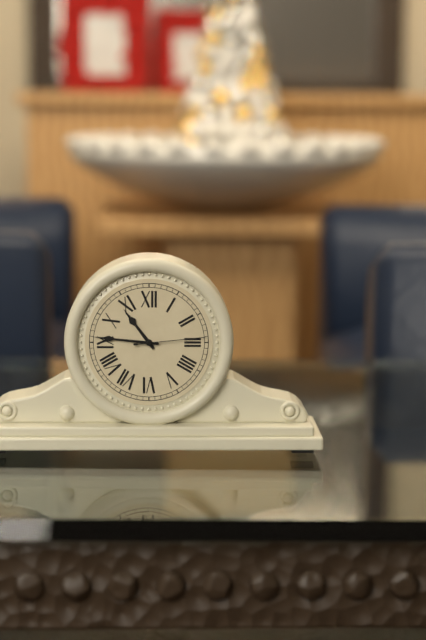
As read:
h=10 m=46 s=14
